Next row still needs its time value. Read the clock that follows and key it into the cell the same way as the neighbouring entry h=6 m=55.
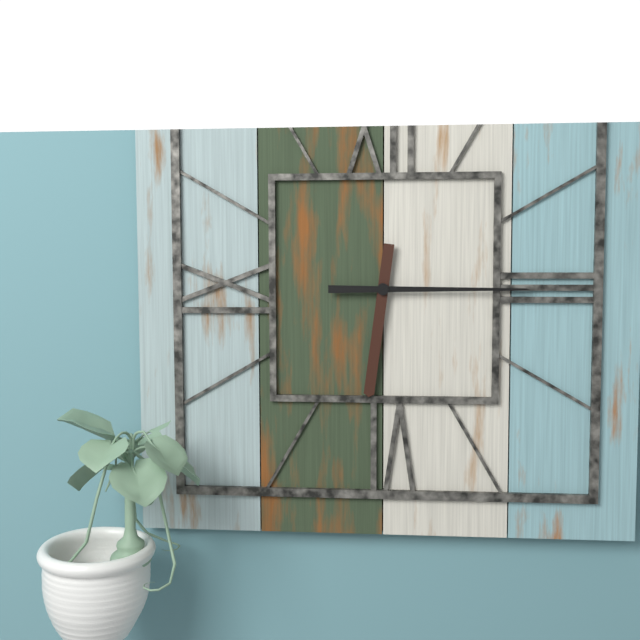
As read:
h=6 m=15
